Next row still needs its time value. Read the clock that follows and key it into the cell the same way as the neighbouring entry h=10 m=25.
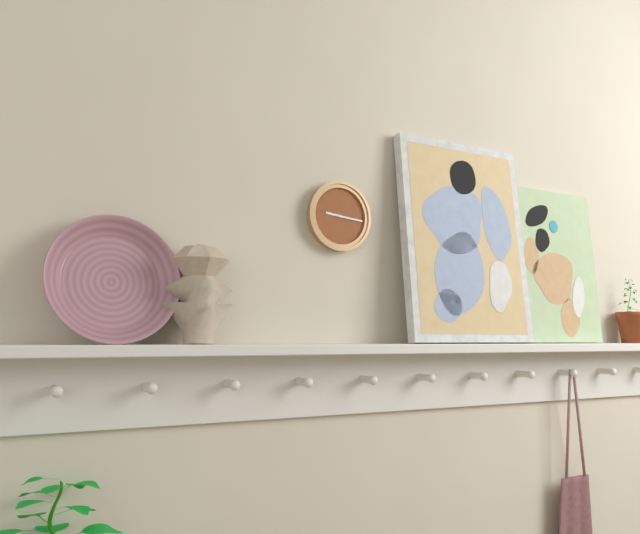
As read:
h=9 m=16
